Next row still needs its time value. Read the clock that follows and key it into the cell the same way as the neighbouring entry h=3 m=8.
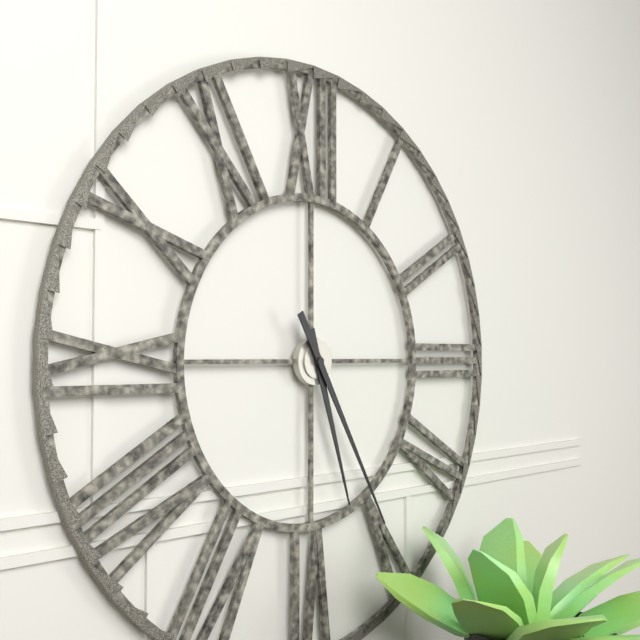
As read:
h=5 m=25
